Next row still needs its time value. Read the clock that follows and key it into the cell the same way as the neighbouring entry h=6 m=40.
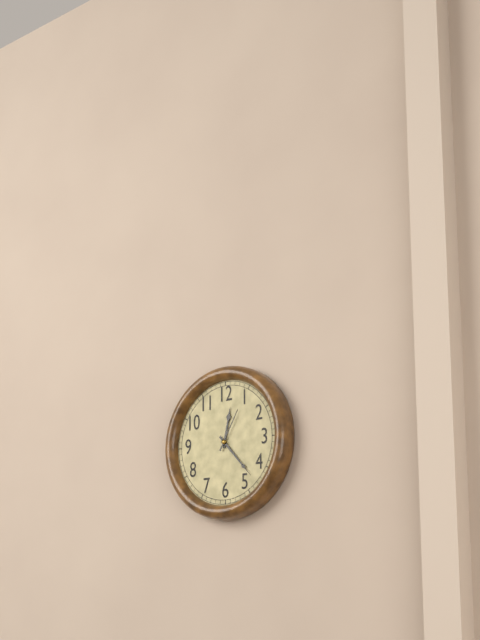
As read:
h=12 m=23
